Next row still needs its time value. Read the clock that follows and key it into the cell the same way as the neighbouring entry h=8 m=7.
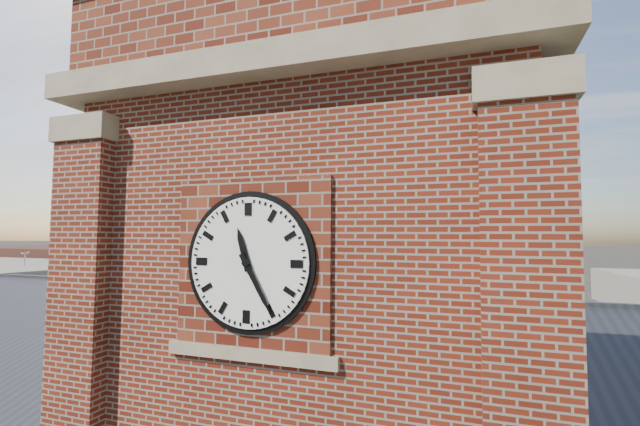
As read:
h=11 m=25
